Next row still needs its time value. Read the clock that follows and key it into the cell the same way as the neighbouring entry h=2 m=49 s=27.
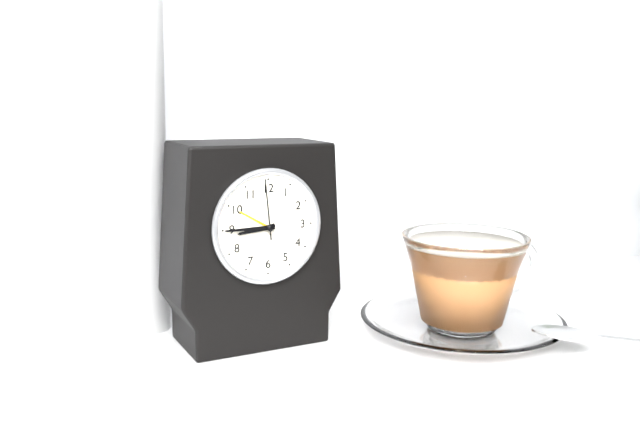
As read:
h=8 m=45 s=59
